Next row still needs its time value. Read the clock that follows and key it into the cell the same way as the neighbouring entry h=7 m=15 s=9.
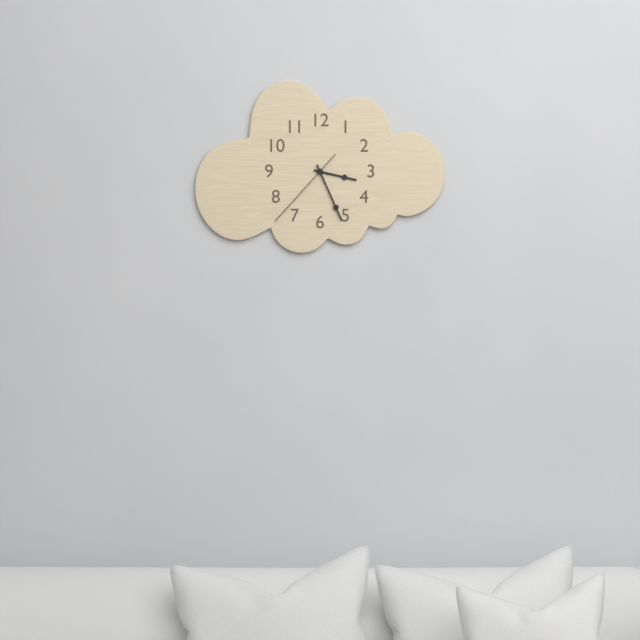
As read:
h=3 m=26 s=37
